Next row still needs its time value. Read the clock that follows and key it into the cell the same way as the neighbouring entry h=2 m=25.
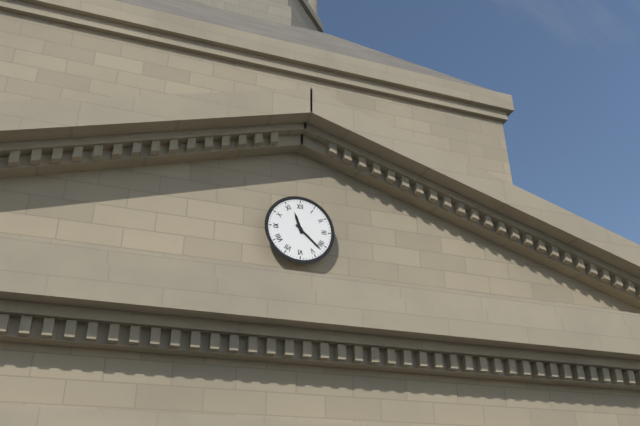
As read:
h=11 m=22
